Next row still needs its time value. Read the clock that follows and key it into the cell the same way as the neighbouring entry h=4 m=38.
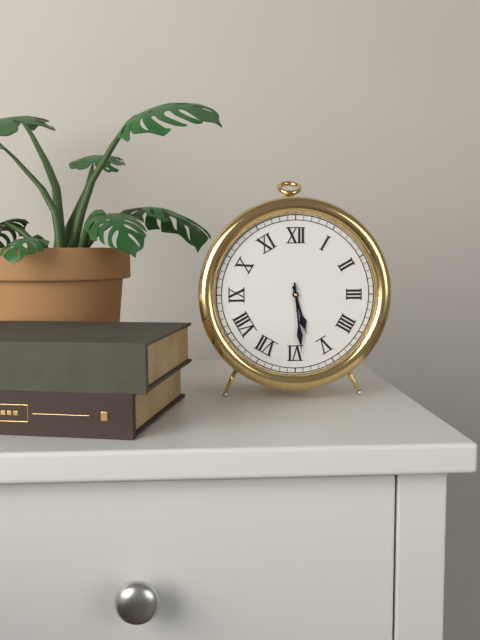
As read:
h=5 m=29
